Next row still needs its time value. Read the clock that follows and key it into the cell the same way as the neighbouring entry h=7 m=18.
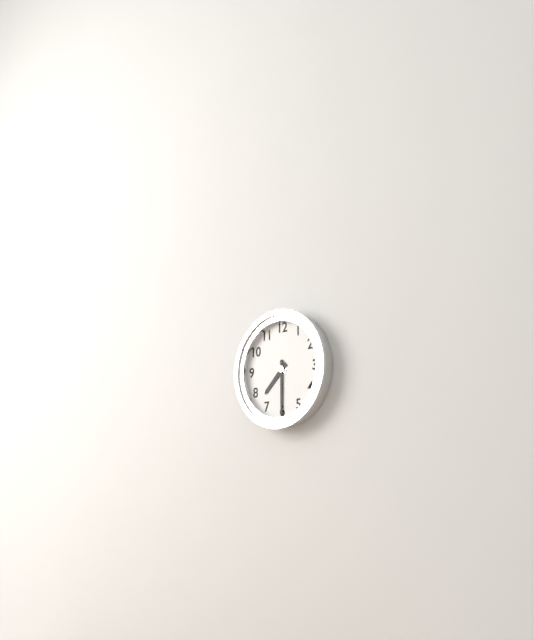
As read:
h=7 m=30
